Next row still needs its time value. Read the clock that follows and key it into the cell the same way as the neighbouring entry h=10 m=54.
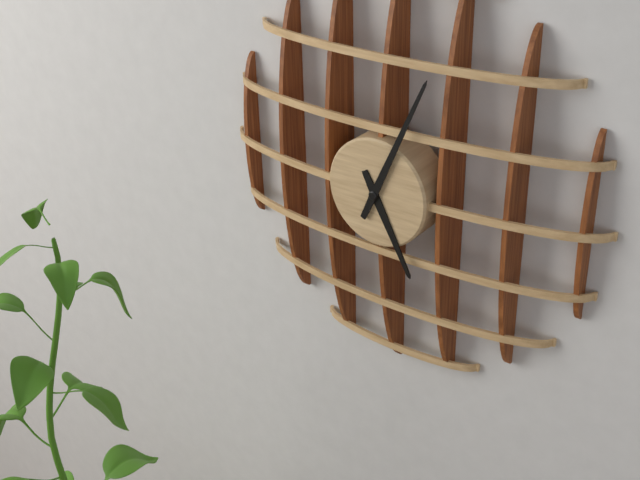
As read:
h=5 m=4
